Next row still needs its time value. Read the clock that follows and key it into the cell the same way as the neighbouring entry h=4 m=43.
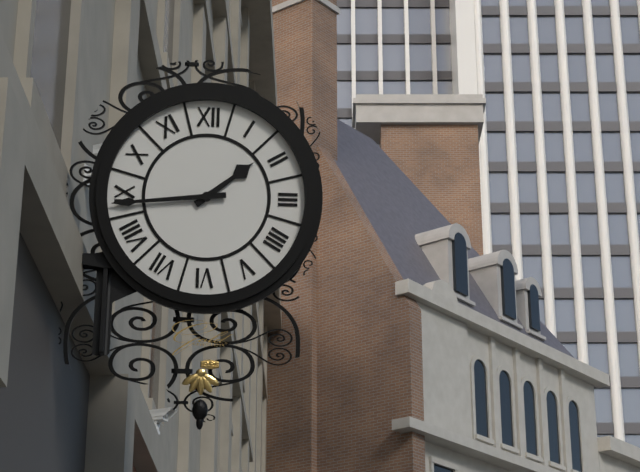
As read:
h=1 m=44
